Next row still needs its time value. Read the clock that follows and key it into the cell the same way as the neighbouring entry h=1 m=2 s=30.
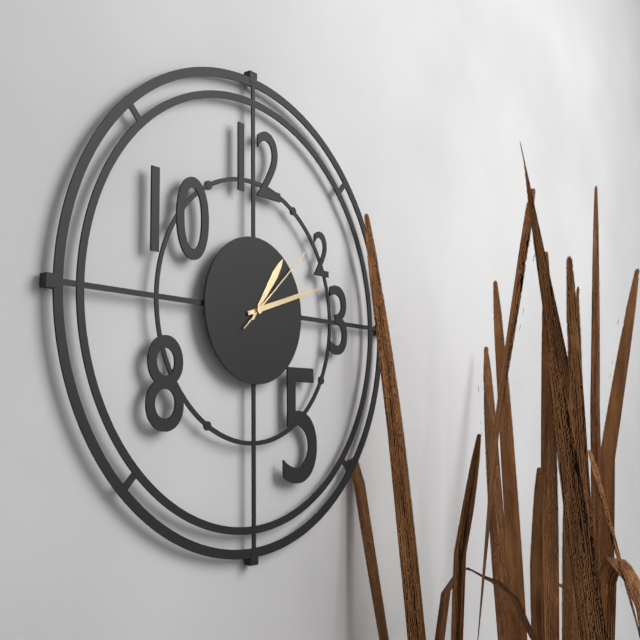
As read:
h=1 m=12 s=8
